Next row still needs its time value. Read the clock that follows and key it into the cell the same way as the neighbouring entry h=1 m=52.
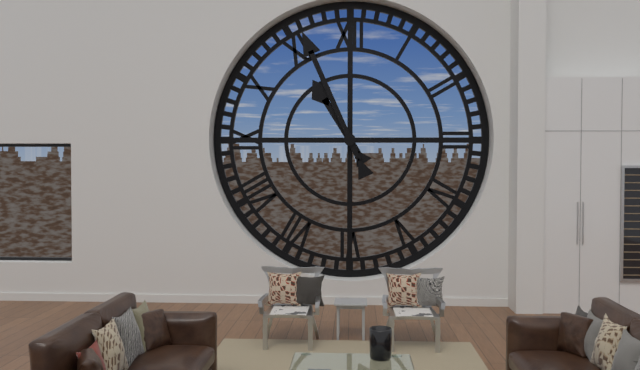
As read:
h=10 m=56
